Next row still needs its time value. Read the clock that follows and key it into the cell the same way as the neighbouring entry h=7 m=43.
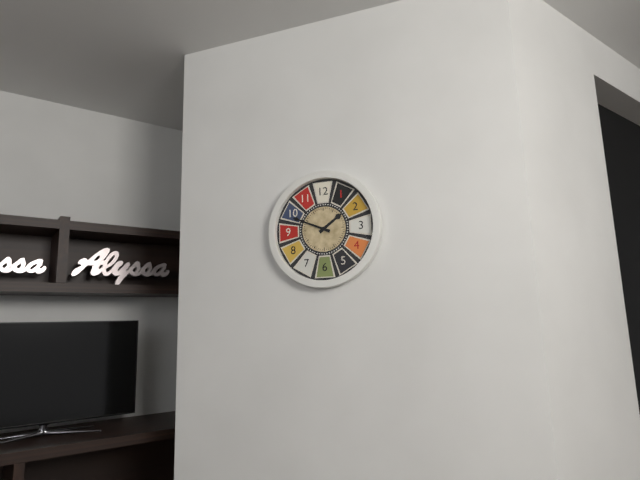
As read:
h=1 m=49
